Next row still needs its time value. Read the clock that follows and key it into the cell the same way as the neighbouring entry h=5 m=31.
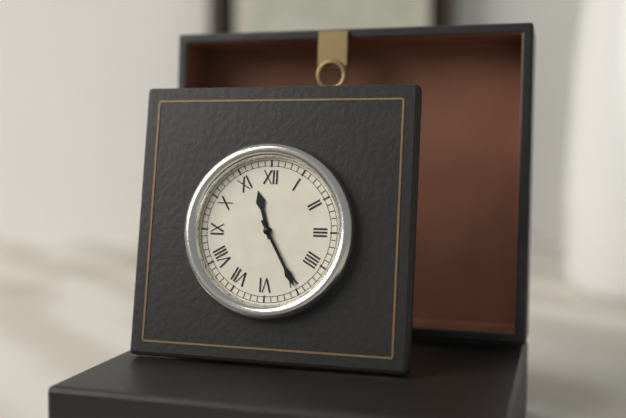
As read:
h=11 m=25
